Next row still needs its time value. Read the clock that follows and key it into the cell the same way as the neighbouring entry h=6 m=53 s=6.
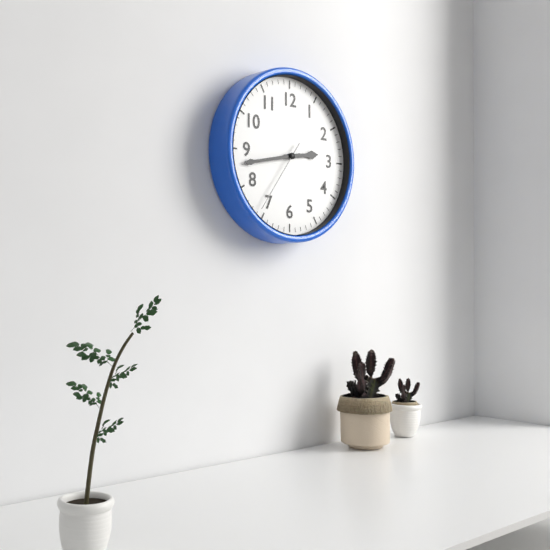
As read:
h=2 m=43 s=36
